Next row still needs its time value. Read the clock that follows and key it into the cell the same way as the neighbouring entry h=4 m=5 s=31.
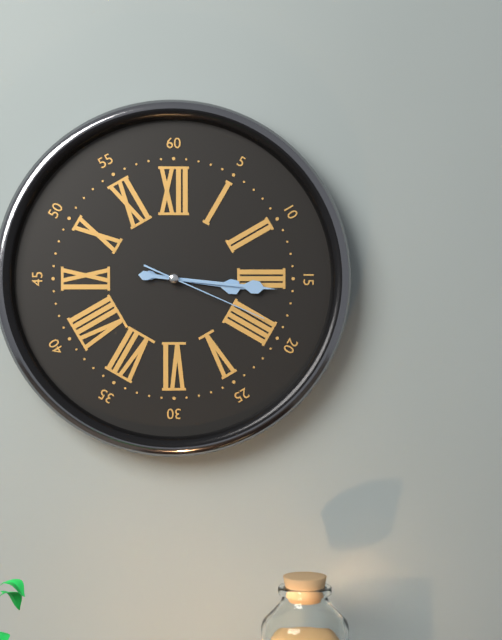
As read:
h=3 m=16 s=19
